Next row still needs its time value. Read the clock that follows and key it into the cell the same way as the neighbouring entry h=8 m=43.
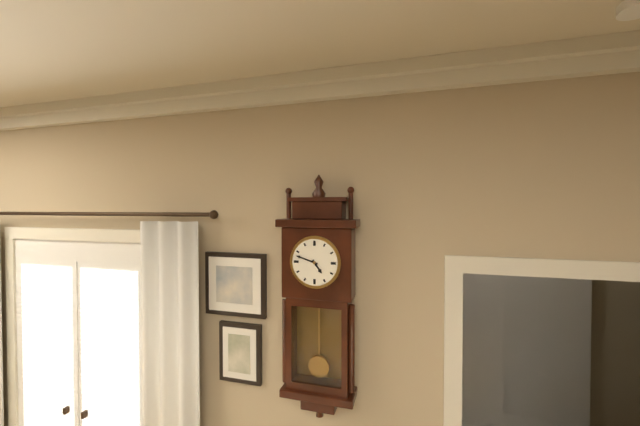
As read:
h=4 m=48
